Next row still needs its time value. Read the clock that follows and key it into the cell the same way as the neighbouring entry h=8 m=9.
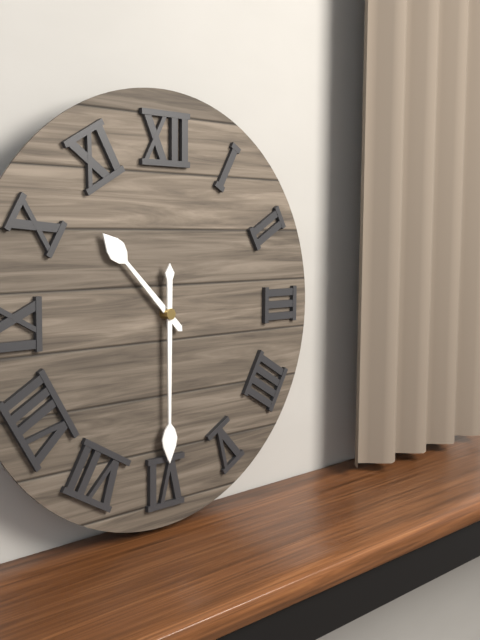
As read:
h=10 m=30
